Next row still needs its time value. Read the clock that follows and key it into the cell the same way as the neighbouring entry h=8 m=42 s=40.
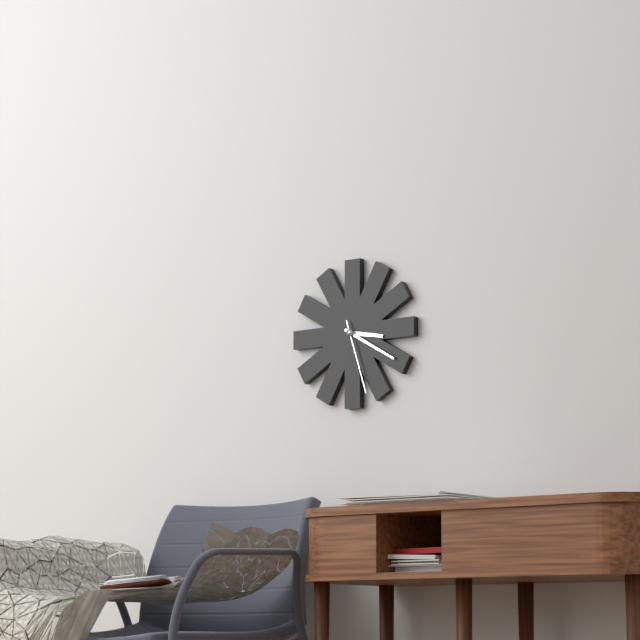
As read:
h=3 m=20 s=27
